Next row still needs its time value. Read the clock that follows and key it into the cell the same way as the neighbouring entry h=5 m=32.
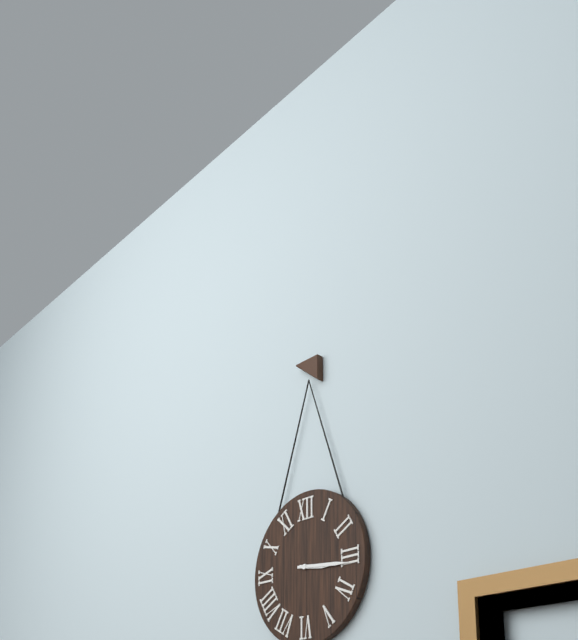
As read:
h=3 m=16
